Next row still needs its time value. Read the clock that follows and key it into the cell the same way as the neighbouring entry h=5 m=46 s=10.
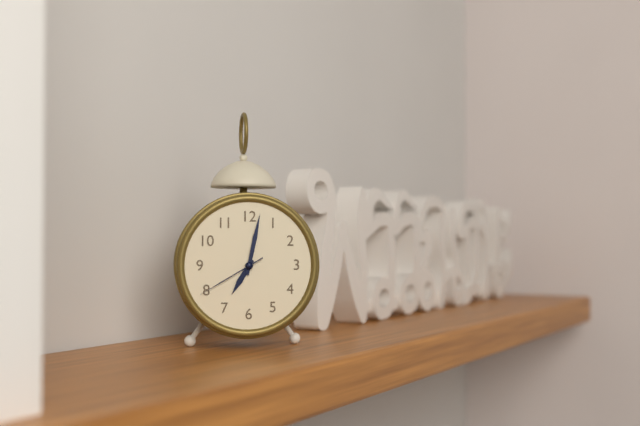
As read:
h=7 m=2 s=40
